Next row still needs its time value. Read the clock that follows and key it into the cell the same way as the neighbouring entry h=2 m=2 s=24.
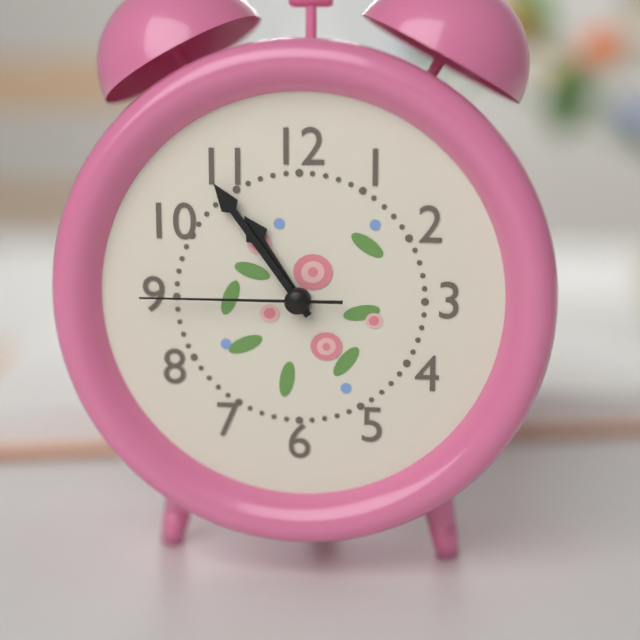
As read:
h=10 m=54 s=45
